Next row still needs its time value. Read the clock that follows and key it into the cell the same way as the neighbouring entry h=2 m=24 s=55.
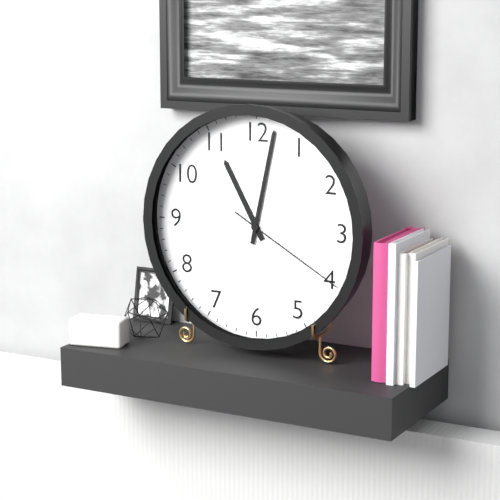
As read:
h=11 m=2 s=20
